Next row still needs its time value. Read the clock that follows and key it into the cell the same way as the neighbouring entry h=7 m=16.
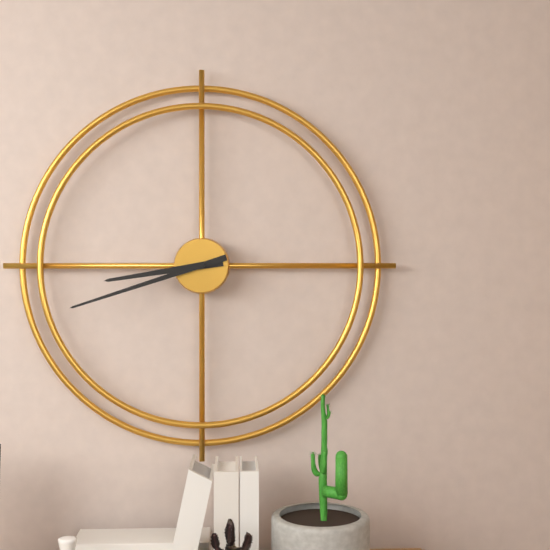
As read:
h=8 m=42
